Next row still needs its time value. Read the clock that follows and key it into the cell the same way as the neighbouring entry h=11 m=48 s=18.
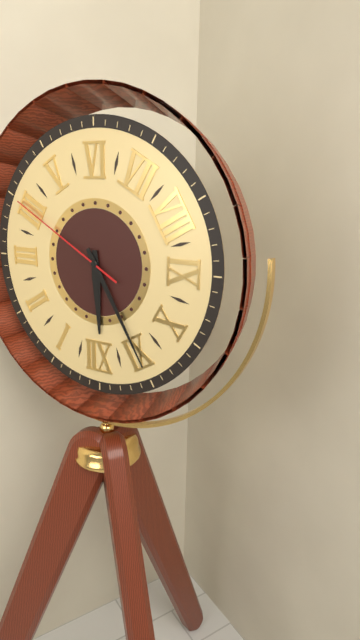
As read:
h=11 m=55 s=20
